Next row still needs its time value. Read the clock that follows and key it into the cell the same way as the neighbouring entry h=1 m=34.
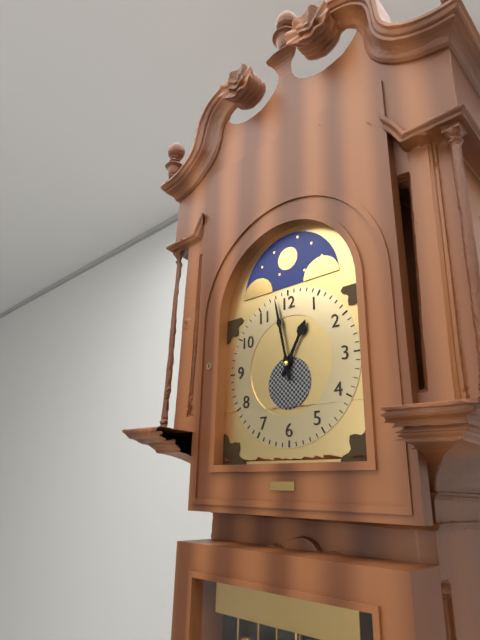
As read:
h=12 m=58
